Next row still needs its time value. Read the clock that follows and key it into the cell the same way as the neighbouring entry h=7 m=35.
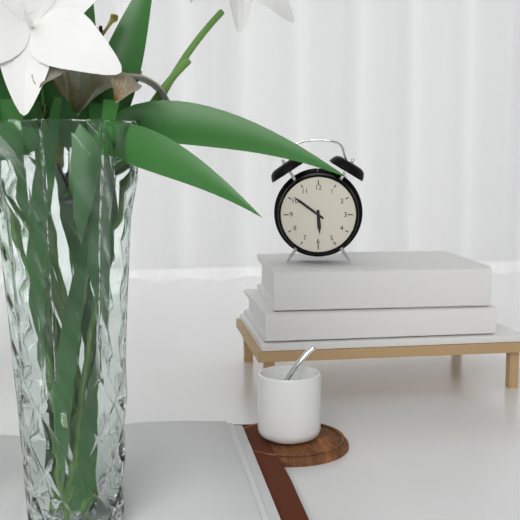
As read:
h=5 m=51
